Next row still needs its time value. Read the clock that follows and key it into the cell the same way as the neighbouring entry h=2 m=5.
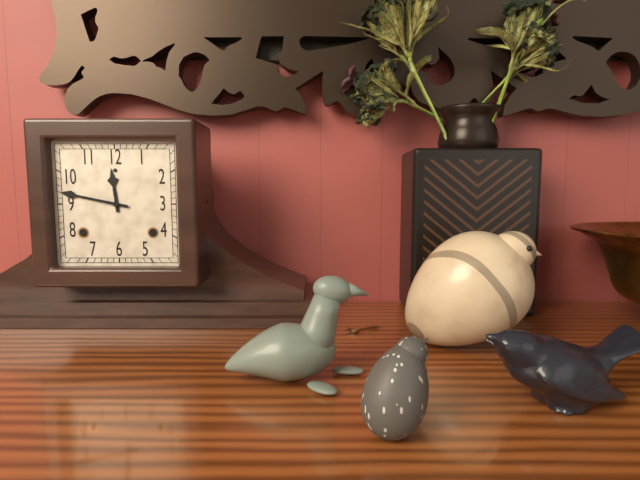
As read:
h=11 m=47
